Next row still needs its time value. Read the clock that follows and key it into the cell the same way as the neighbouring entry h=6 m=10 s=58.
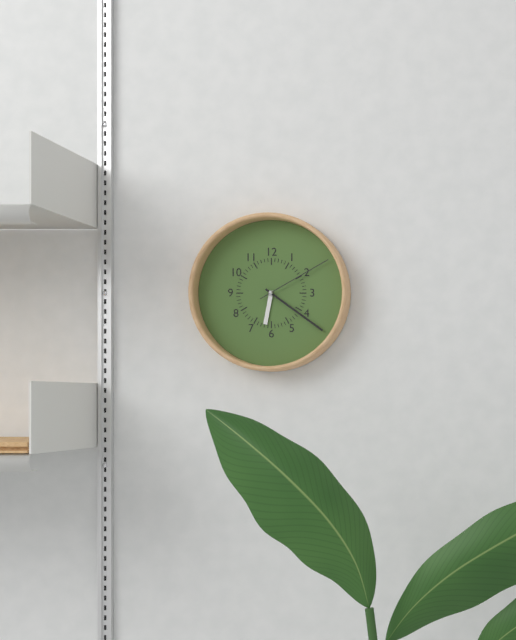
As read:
h=6 m=21 s=10
